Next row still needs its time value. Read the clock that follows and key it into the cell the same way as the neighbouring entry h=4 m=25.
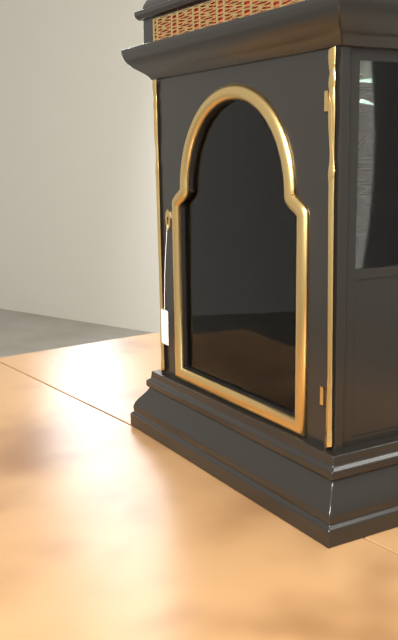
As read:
h=5 m=50
